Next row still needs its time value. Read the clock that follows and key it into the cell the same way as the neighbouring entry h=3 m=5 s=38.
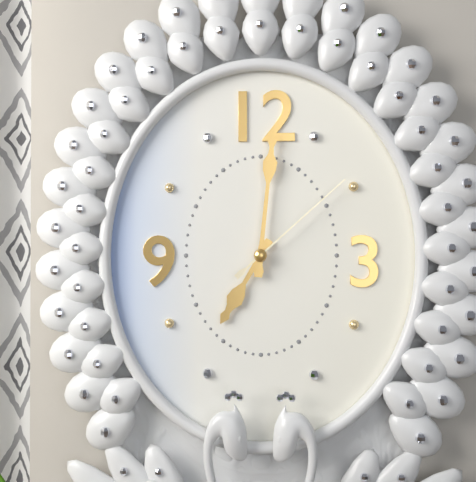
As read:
h=7 m=1 s=8
